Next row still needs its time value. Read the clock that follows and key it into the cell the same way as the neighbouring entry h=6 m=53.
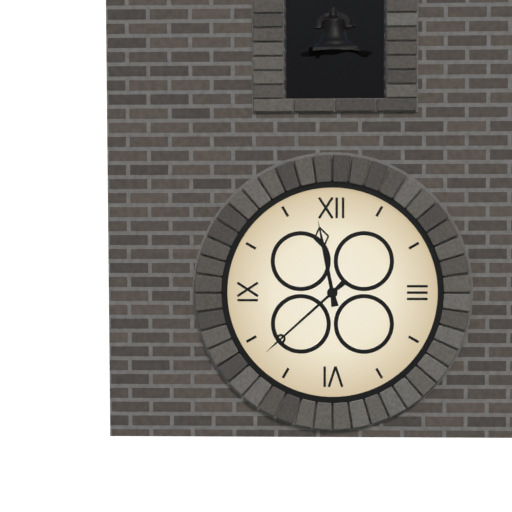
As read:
h=11 m=38
